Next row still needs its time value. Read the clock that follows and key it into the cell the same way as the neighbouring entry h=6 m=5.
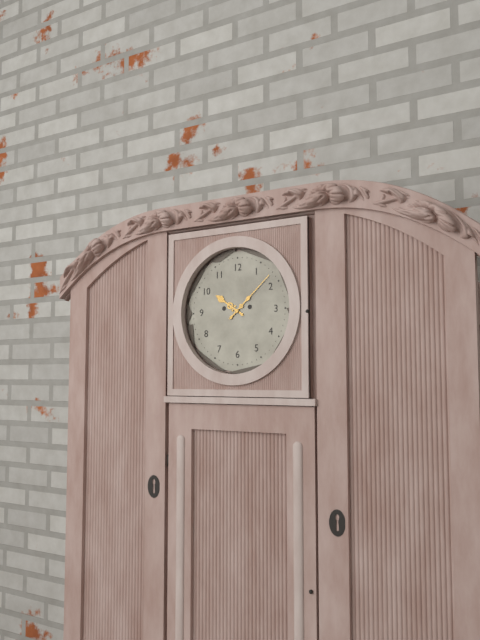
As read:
h=10 m=8
